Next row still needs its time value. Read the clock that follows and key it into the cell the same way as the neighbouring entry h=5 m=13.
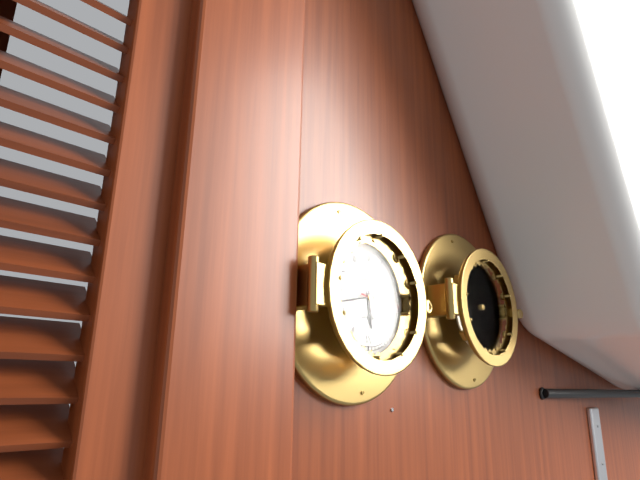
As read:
h=5 m=43
